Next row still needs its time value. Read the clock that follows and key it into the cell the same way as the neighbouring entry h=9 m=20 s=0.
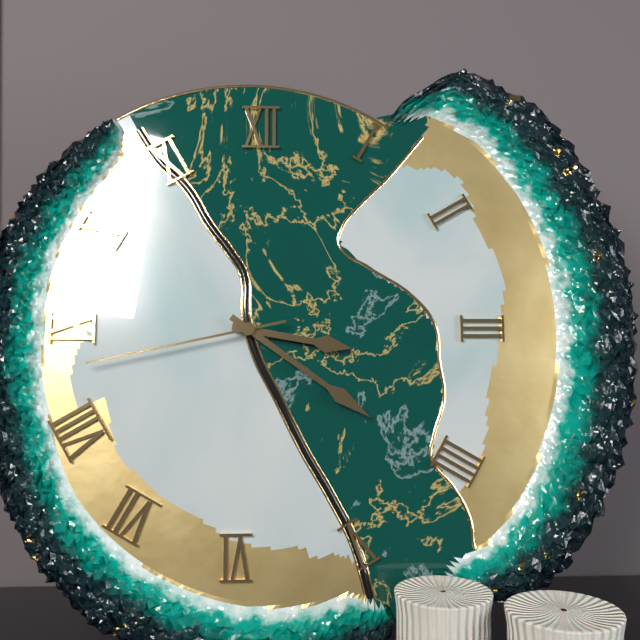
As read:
h=3 m=21 s=43
